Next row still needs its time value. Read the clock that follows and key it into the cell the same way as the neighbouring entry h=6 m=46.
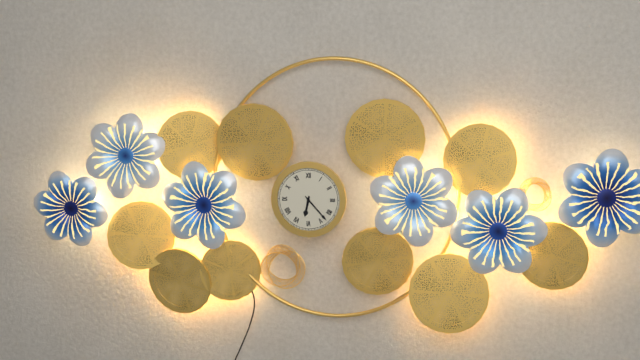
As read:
h=6 m=23
